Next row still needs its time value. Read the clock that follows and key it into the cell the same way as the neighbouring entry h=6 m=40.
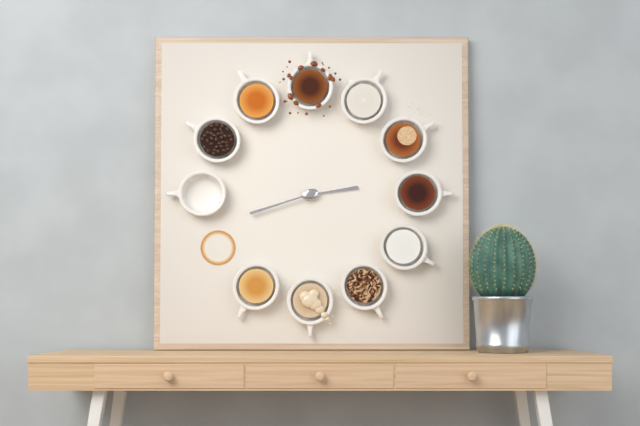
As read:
h=2 m=42
